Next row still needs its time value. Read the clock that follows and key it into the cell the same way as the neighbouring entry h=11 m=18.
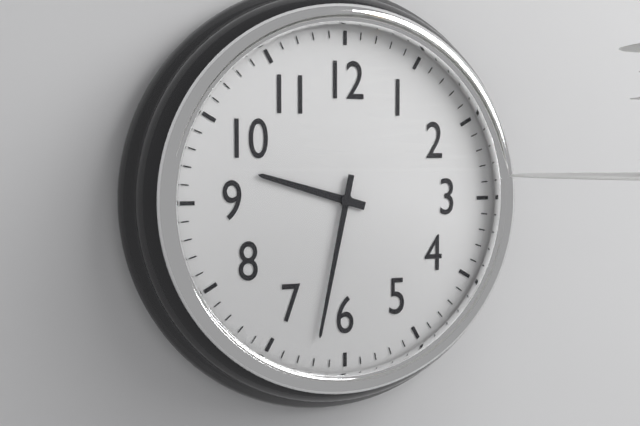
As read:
h=9 m=32
